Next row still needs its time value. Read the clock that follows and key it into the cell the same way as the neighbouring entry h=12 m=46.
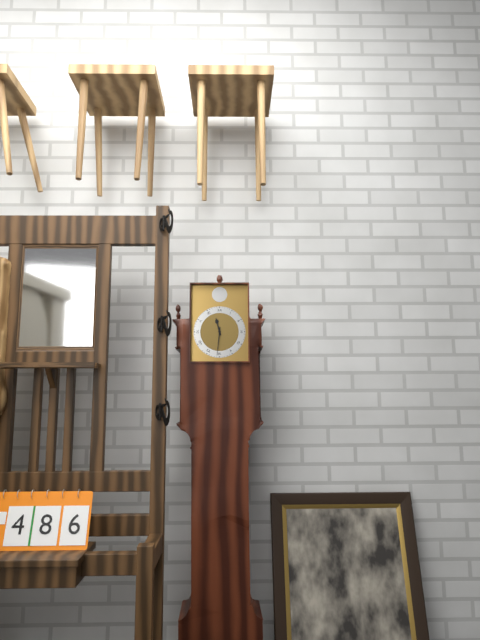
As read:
h=11 m=31
